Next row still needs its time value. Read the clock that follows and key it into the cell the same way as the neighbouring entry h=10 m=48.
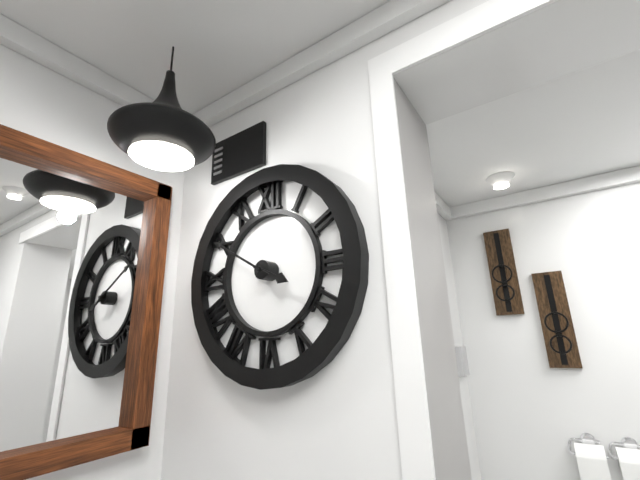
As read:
h=3 m=50
